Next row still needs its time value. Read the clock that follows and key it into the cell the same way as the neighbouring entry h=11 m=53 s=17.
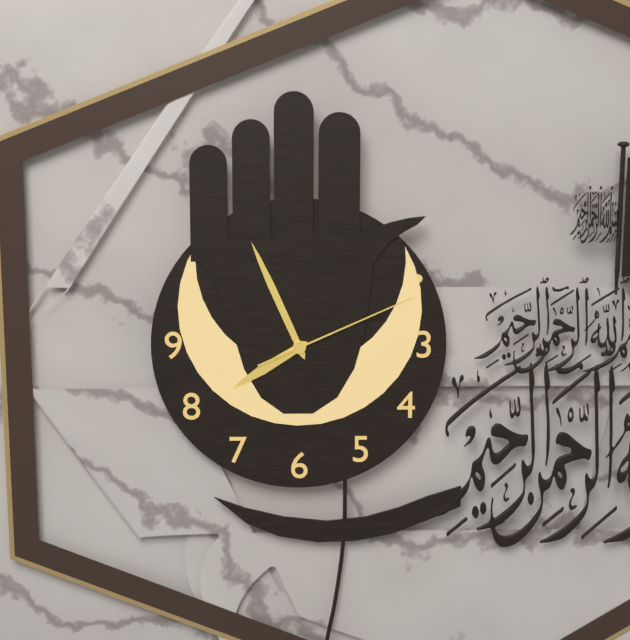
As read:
h=7 m=56 s=11
